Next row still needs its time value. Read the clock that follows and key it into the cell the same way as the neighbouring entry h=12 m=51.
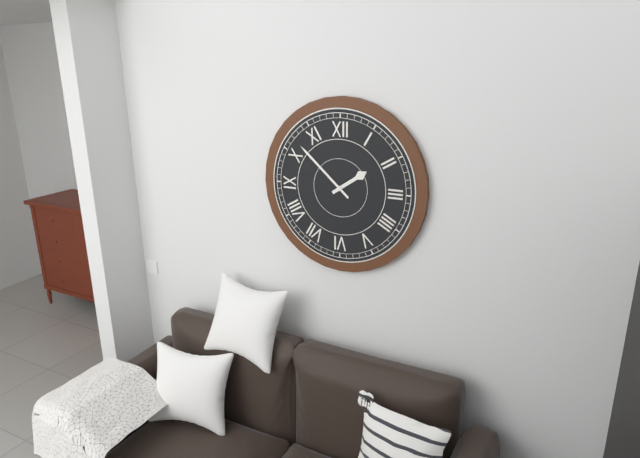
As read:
h=1 m=52
